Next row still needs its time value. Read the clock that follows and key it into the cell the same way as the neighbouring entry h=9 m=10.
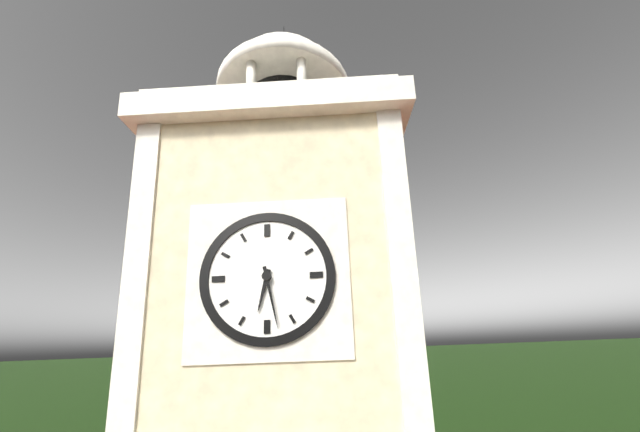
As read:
h=6 m=28
